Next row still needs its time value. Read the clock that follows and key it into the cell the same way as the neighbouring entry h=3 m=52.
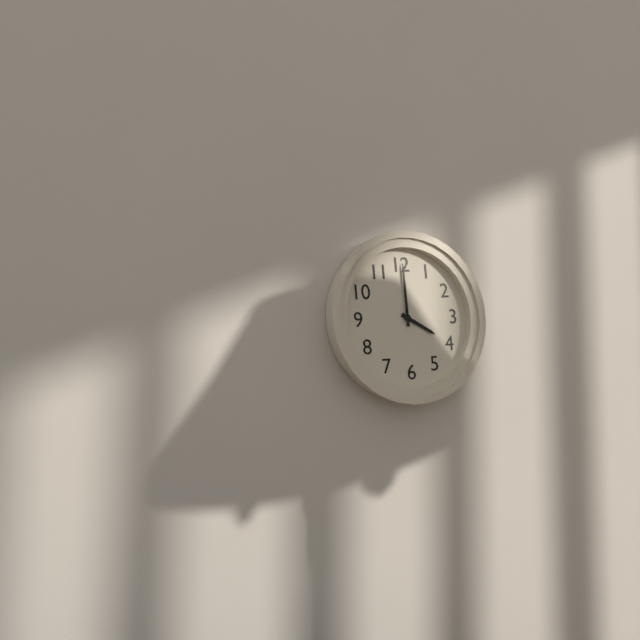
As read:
h=4 m=0
